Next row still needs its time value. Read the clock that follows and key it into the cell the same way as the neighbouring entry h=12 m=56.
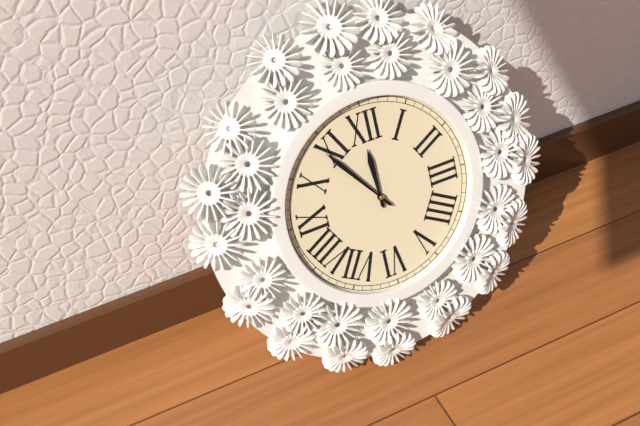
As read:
h=11 m=54
